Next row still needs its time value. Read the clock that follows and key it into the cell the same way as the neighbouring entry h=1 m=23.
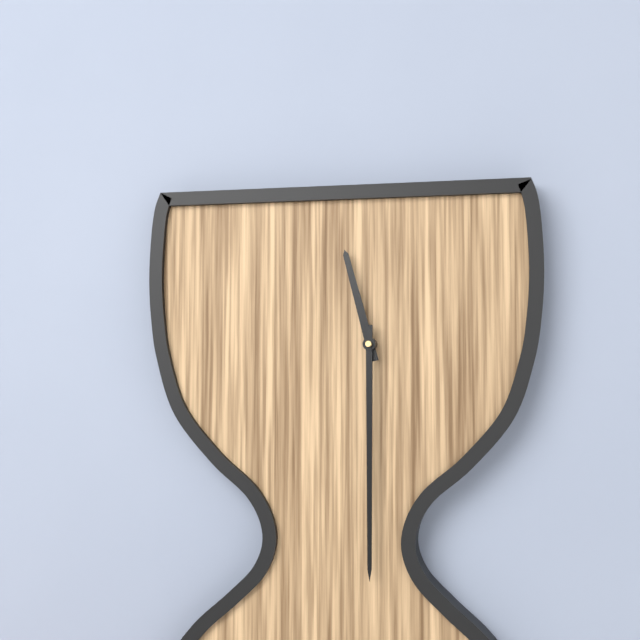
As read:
h=11 m=30
